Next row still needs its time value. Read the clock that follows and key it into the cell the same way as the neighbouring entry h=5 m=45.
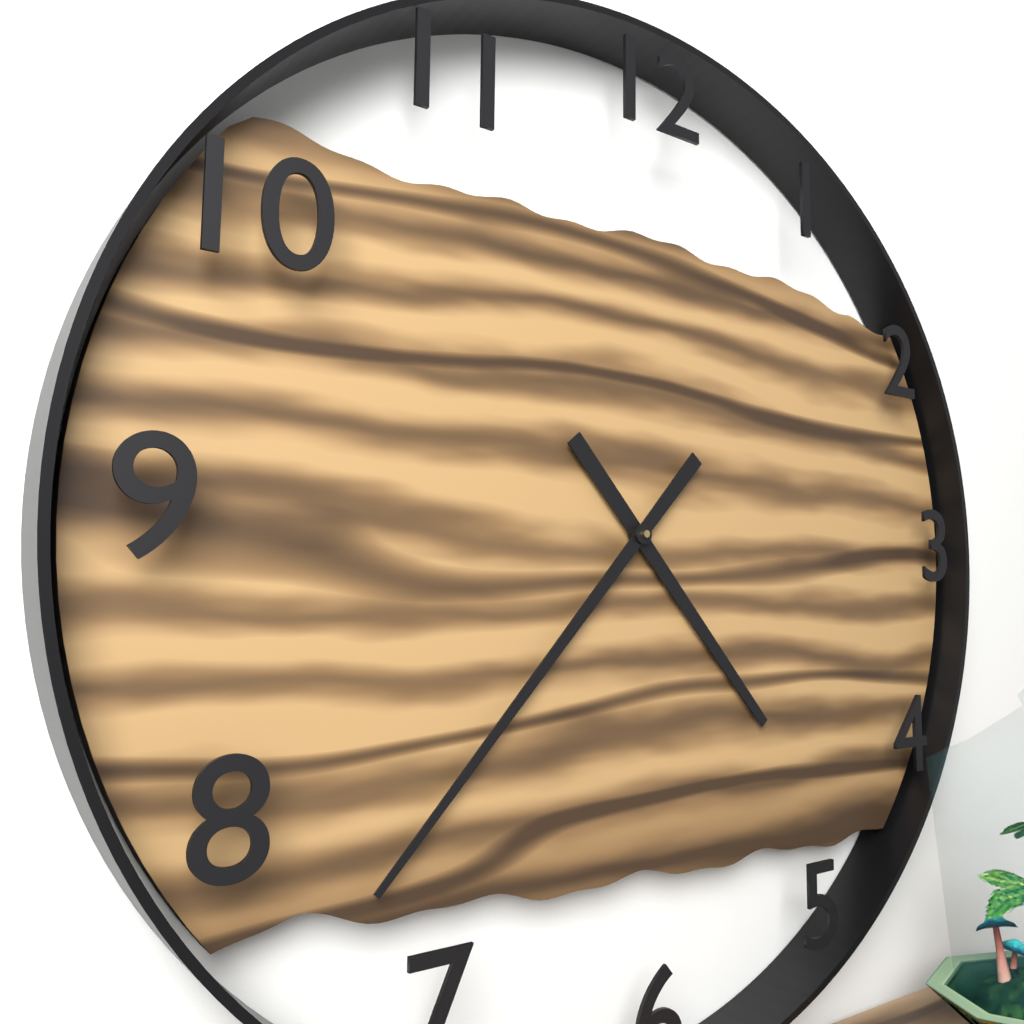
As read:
h=4 m=37
